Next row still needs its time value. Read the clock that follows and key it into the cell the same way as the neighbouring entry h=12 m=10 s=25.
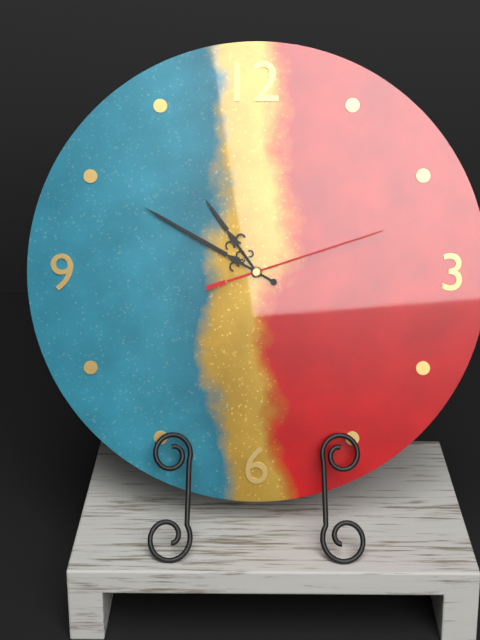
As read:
h=10 m=50 s=12
